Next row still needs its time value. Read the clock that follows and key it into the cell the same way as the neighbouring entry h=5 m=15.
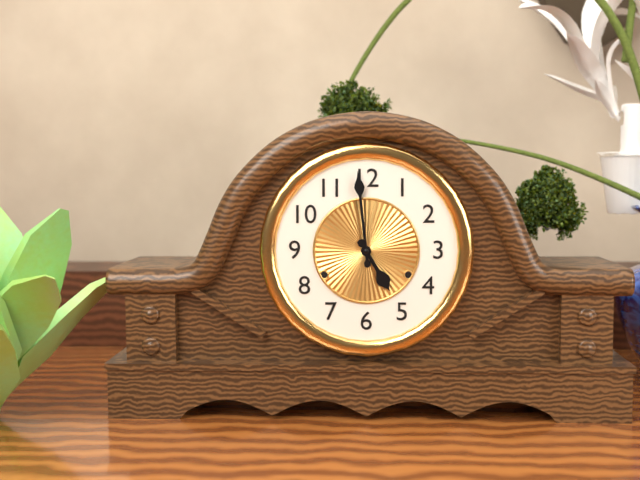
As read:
h=4 m=59
